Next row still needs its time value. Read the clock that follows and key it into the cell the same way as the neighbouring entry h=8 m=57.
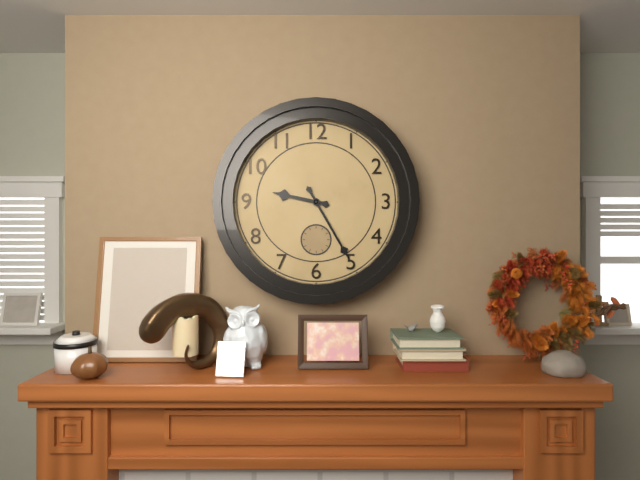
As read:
h=9 m=25
